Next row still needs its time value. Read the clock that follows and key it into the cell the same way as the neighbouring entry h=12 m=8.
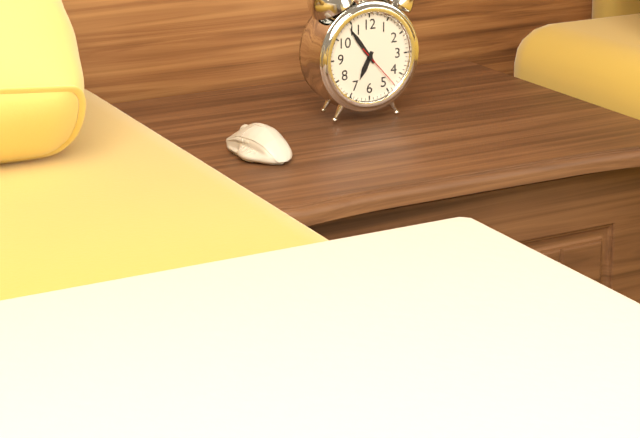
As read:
h=6 m=54
